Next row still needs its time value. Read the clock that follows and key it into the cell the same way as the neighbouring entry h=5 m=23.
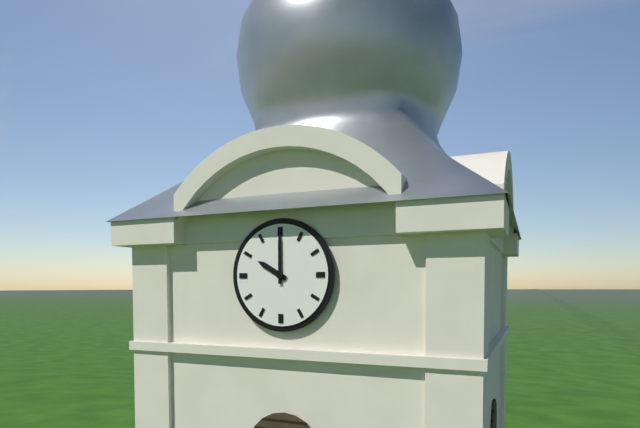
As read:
h=10 m=0
